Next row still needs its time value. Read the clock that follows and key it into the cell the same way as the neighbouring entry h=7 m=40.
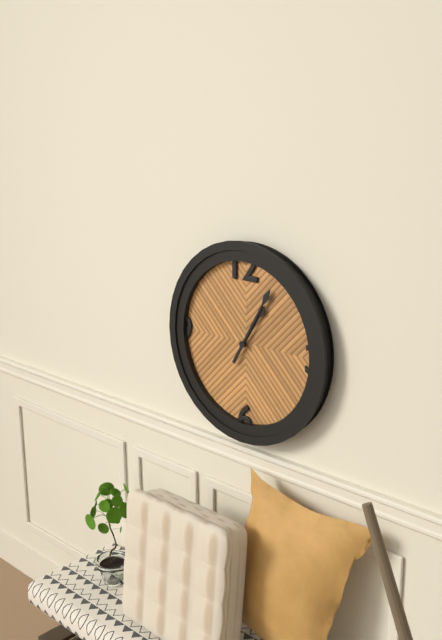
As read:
h=1 m=5
